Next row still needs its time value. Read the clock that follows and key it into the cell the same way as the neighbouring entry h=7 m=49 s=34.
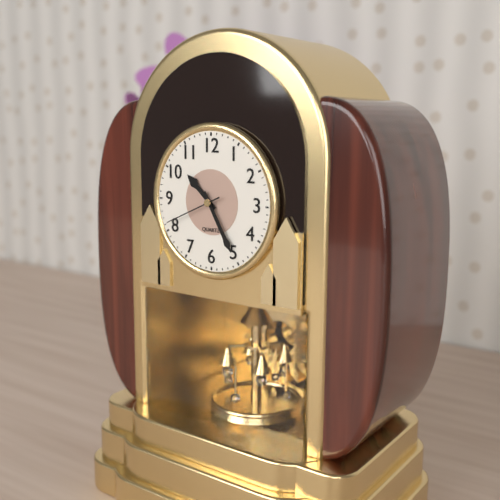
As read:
h=10 m=25 s=41
